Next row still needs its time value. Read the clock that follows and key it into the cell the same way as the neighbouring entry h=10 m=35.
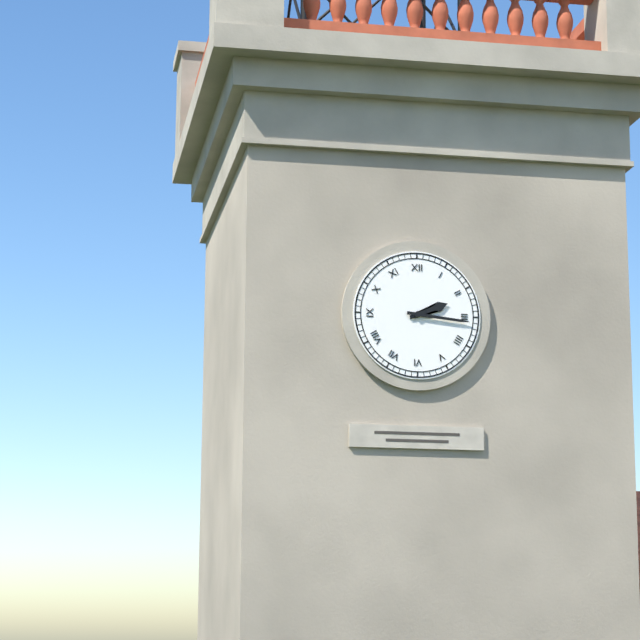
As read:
h=2 m=16
